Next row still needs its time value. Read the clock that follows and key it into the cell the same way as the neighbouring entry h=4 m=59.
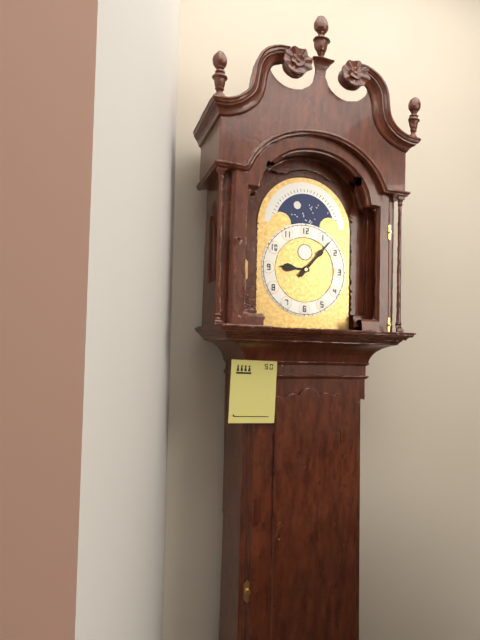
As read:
h=9 m=7
